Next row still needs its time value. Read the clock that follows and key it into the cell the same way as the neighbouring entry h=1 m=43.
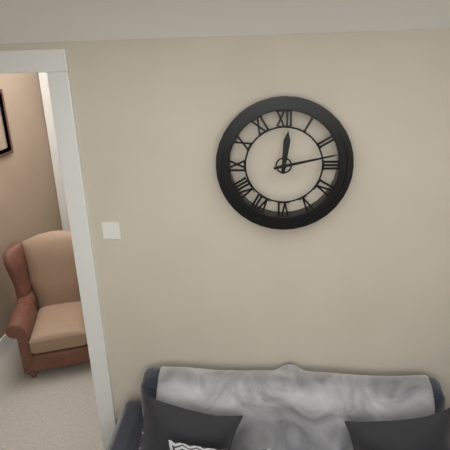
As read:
h=12 m=13
